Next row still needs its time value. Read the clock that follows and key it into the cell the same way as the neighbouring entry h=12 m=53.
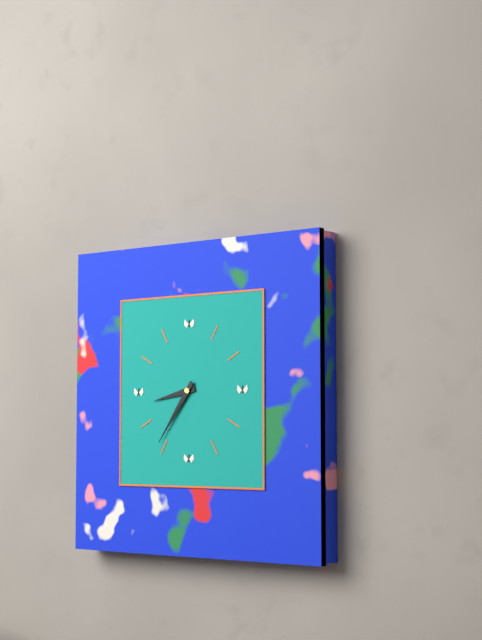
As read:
h=8 m=36
